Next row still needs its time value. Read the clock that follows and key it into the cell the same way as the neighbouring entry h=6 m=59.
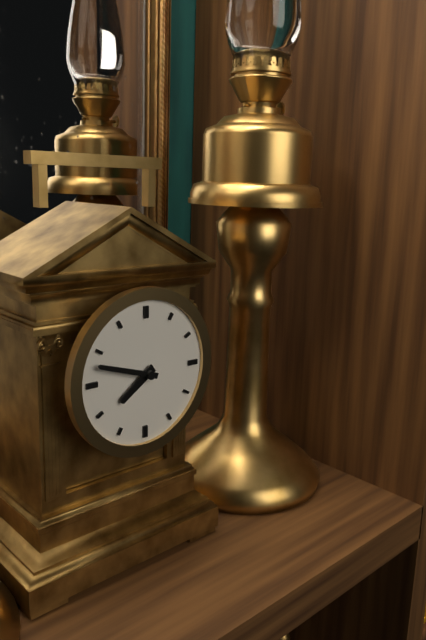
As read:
h=7 m=48
